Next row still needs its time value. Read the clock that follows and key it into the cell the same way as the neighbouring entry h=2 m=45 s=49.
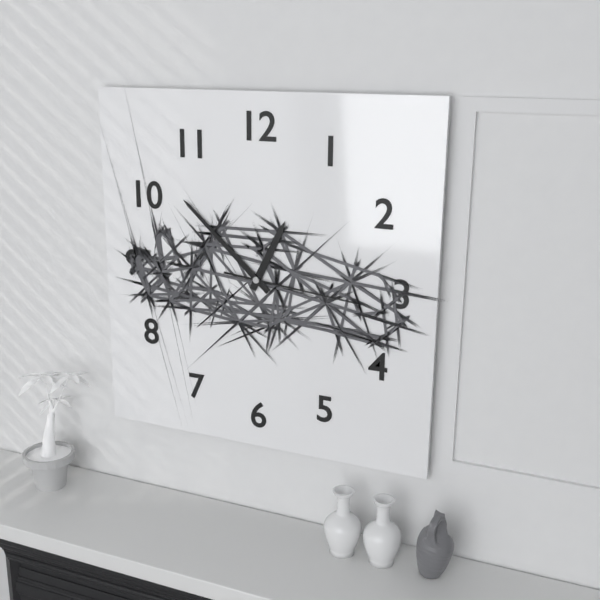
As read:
h=12 m=52 s=16
